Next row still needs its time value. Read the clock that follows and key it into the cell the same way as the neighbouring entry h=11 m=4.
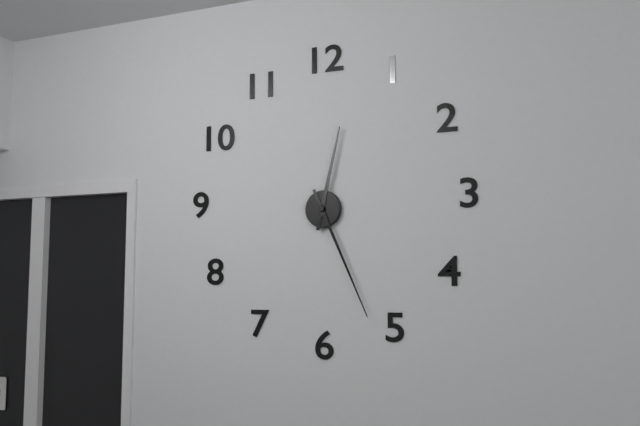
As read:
h=12 m=26
